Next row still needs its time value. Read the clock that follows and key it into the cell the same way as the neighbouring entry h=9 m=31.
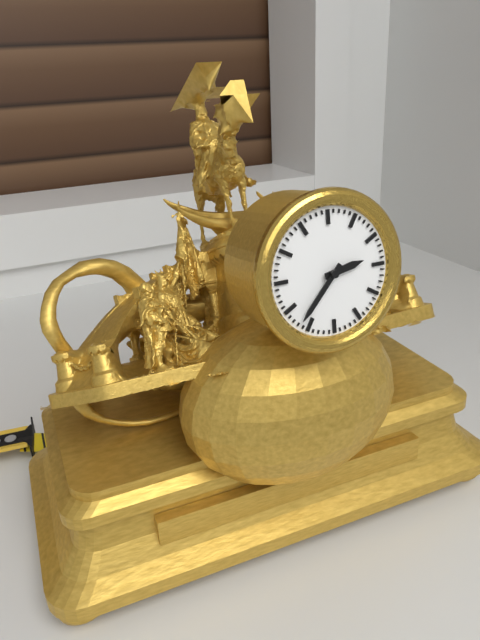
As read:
h=2 m=37
